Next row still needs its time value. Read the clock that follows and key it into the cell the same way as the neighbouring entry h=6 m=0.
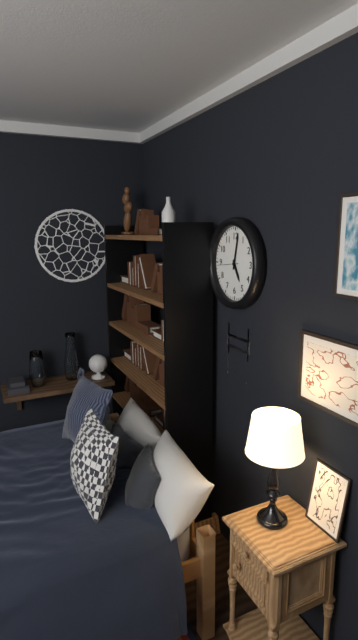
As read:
h=5 m=2
